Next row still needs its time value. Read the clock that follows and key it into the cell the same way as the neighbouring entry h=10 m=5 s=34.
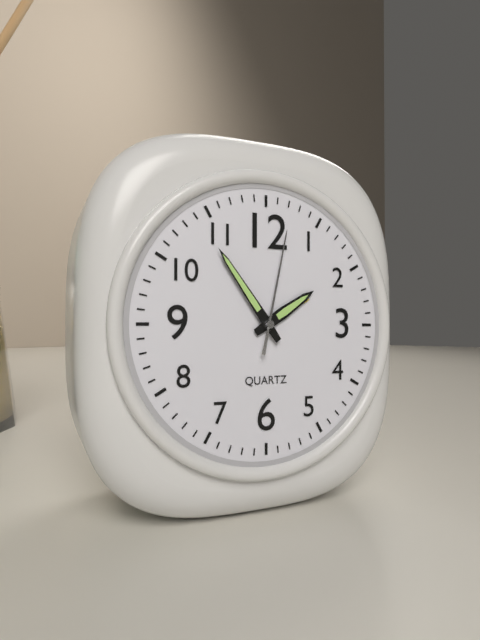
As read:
h=1 m=54 s=2
